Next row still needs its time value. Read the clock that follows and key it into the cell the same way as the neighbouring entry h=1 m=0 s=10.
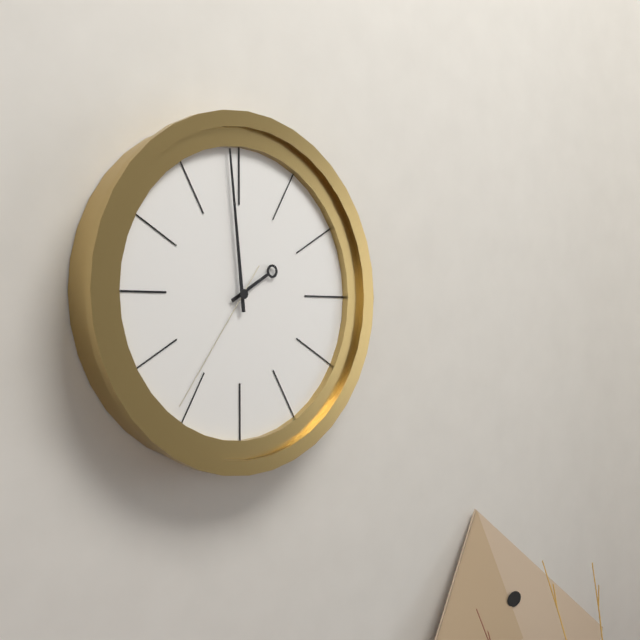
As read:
h=1 m=59 s=36
